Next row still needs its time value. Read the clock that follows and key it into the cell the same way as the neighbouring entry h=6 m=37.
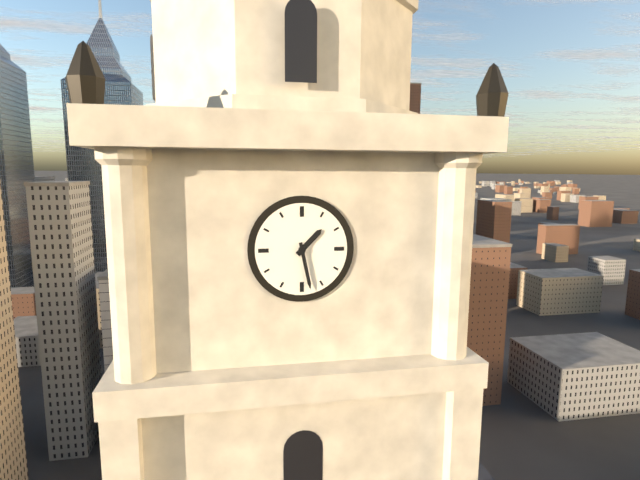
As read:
h=1 m=28
